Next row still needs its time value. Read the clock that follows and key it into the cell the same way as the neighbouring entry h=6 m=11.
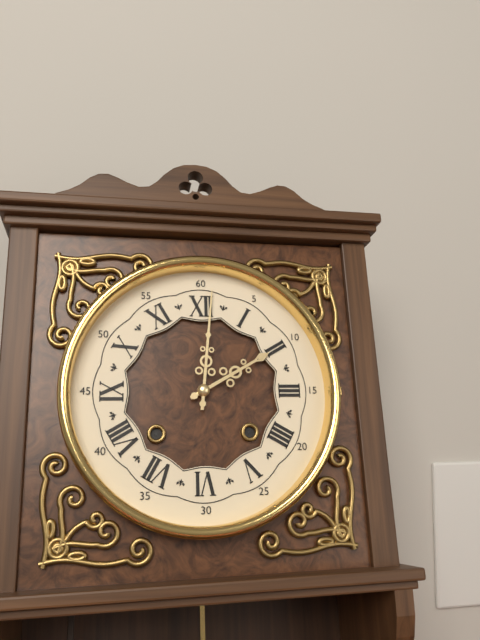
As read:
h=2 m=1
